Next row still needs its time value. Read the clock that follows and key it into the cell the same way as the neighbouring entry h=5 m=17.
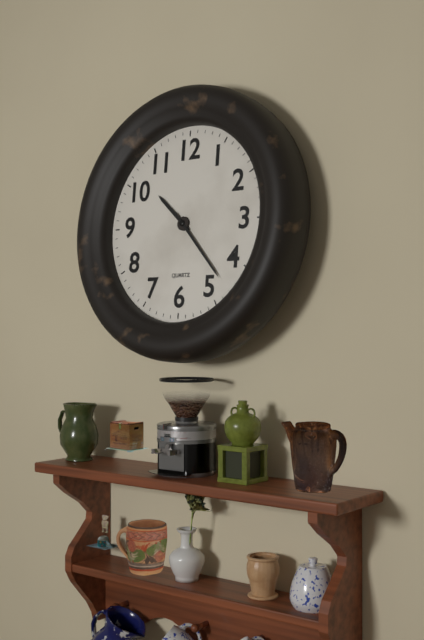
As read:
h=10 m=23
